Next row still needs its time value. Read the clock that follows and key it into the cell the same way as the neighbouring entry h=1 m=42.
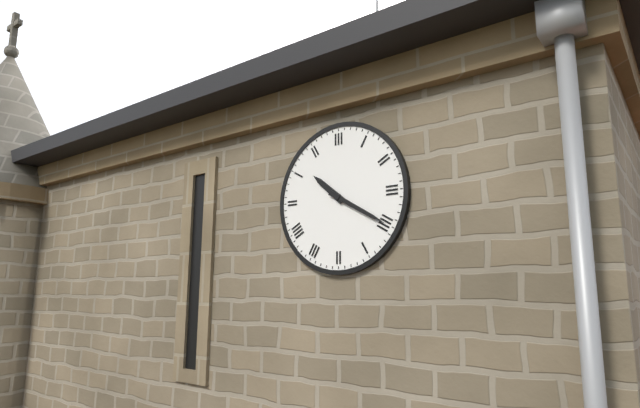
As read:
h=10 m=20
